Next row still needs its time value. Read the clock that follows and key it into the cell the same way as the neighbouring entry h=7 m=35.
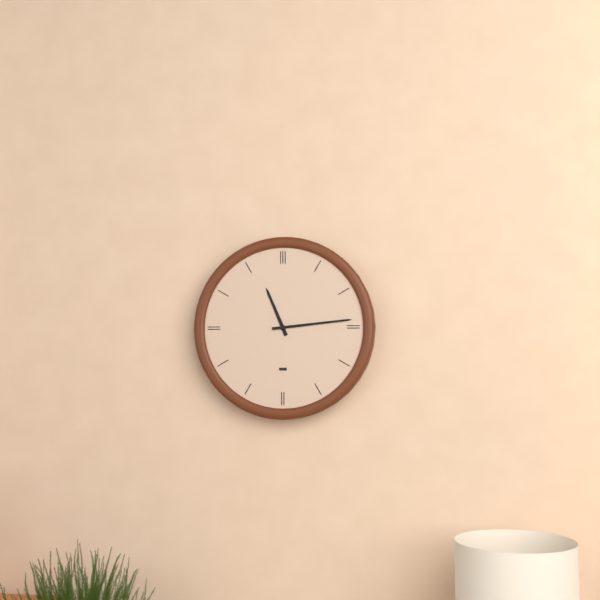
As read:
h=11 m=14
